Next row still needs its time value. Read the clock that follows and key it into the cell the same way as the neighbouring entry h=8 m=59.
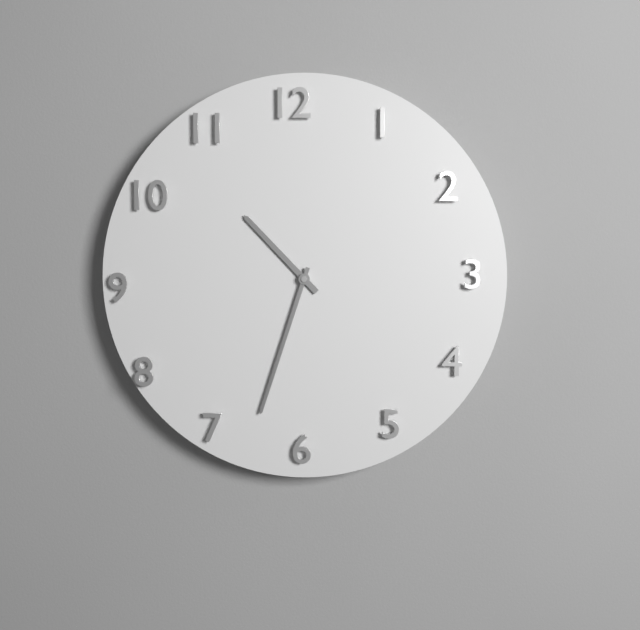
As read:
h=10 m=33
